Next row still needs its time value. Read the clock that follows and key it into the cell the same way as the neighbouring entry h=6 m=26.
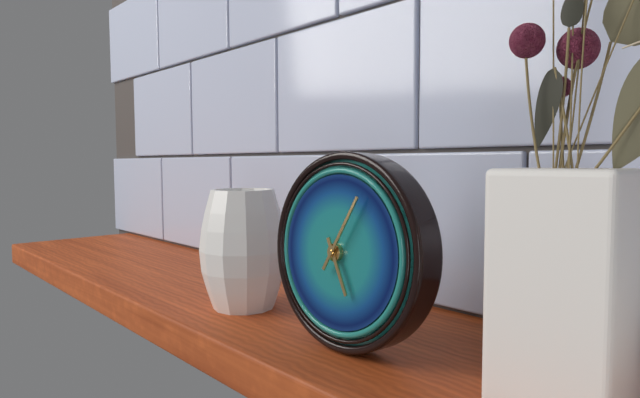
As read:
h=5 m=5
